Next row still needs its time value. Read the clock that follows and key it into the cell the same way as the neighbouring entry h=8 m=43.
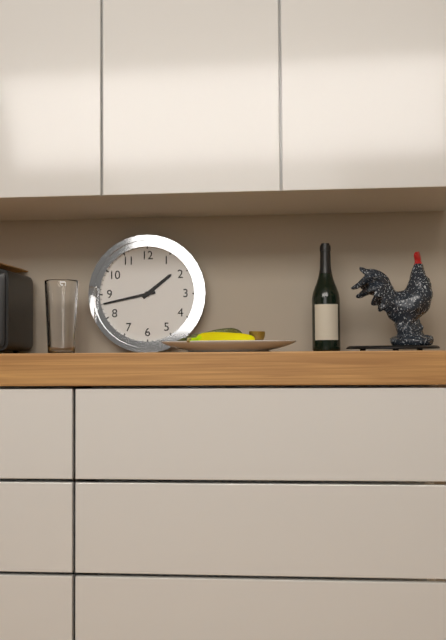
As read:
h=1 m=43
